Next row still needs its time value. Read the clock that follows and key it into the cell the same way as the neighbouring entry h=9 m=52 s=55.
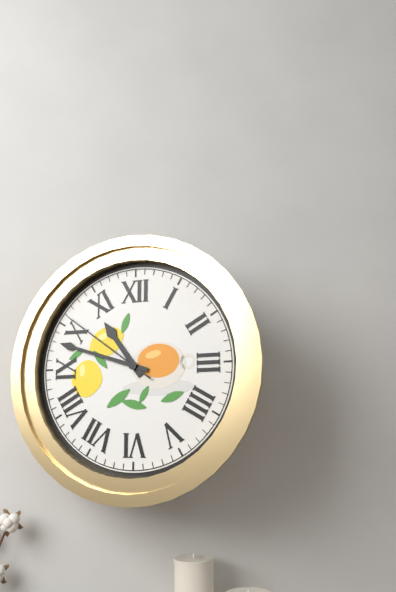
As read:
h=10 m=48 s=51
